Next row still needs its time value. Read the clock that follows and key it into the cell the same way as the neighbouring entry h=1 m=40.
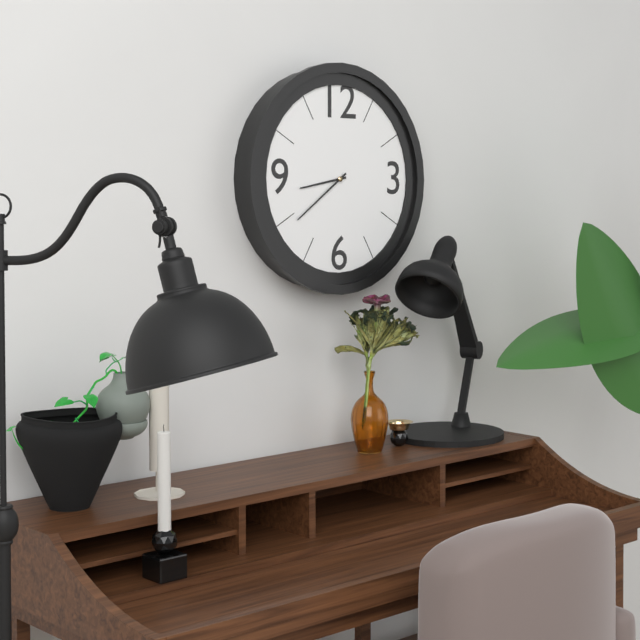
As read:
h=8 m=39
